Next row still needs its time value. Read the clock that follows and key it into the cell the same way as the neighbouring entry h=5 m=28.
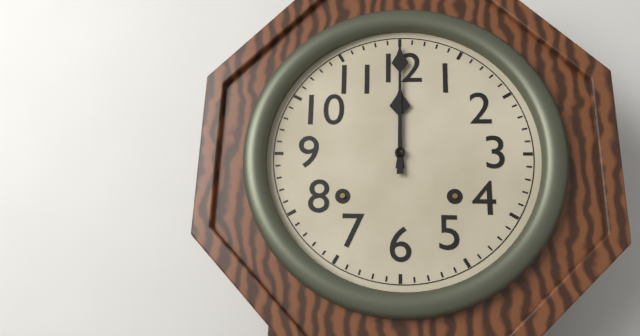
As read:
h=12 m=0
